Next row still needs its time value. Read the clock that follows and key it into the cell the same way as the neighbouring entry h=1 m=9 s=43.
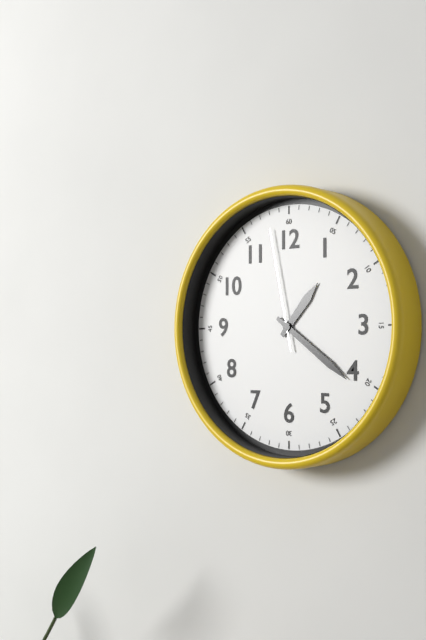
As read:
h=1 m=21 s=58
